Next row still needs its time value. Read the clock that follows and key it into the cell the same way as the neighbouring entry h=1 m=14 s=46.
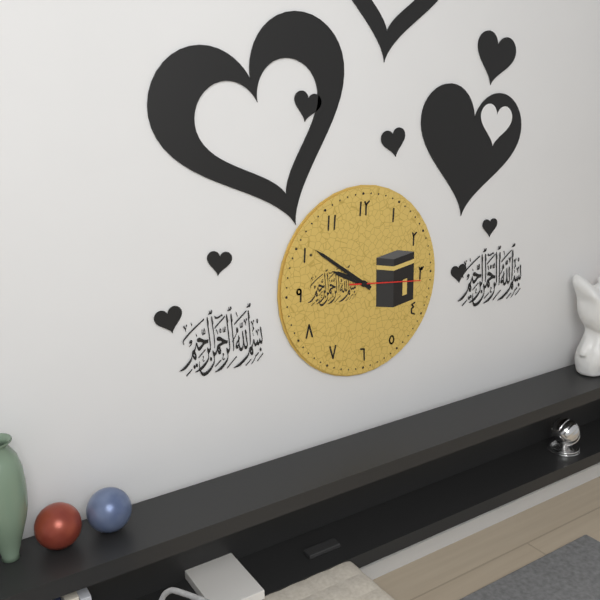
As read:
h=9 m=51 s=16
